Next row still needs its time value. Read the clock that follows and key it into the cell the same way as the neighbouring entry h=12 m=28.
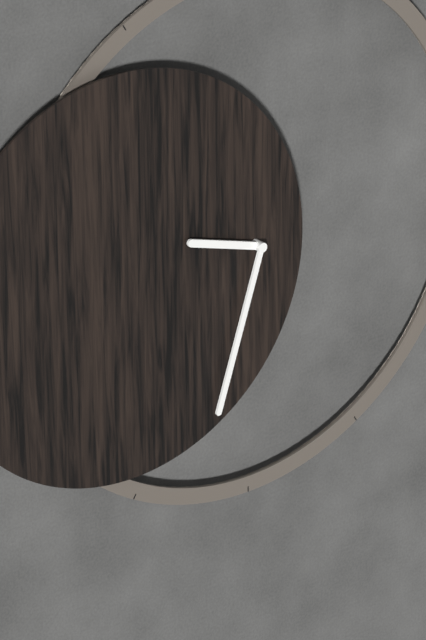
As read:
h=9 m=33
